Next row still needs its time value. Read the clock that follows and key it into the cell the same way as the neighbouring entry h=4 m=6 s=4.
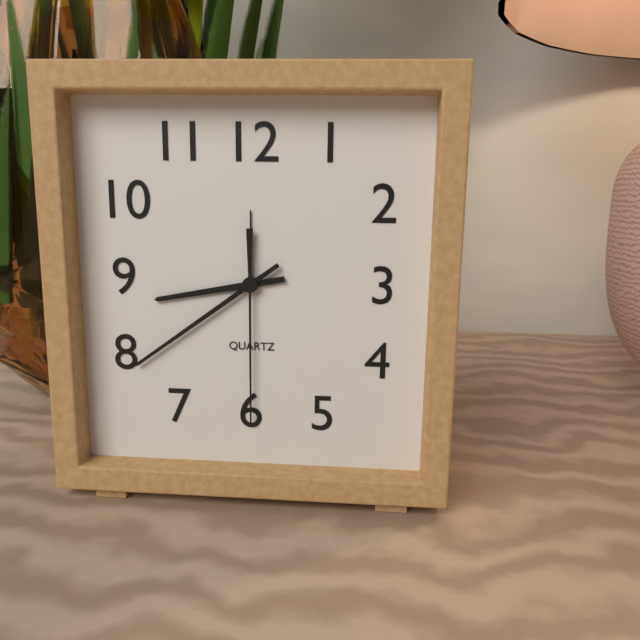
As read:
h=8 m=39 s=30
